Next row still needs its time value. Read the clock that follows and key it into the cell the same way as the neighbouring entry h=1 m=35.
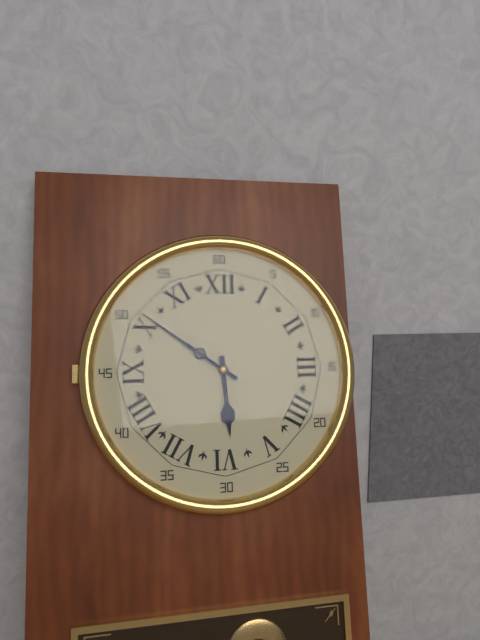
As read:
h=5 m=51
